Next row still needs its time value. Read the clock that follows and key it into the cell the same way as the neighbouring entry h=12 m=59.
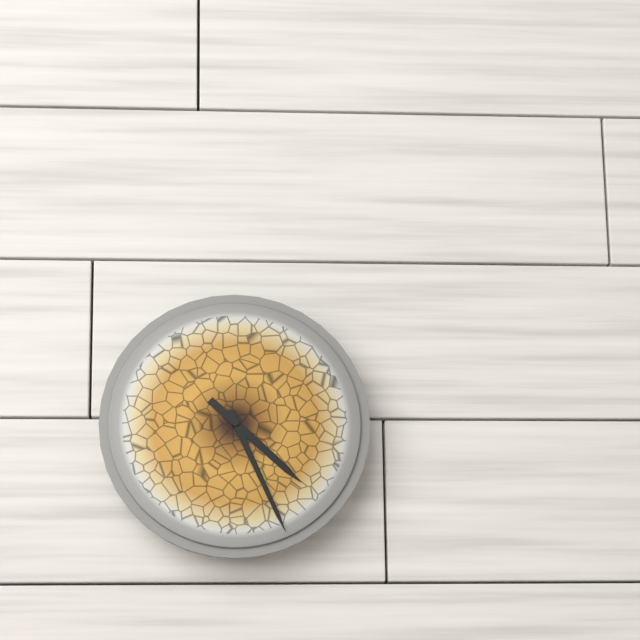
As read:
h=4 m=26
